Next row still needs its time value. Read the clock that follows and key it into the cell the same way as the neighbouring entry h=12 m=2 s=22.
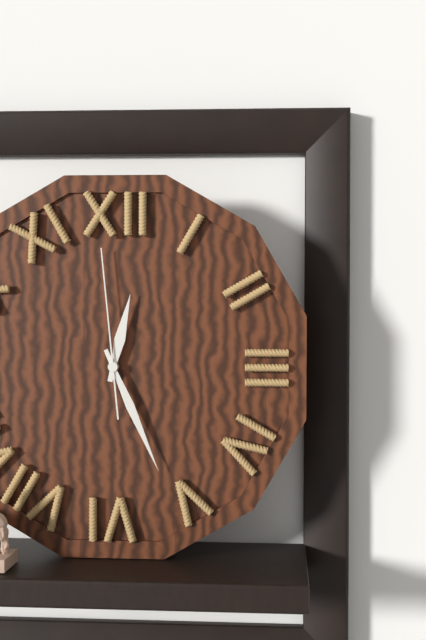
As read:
h=12 m=26 s=59
